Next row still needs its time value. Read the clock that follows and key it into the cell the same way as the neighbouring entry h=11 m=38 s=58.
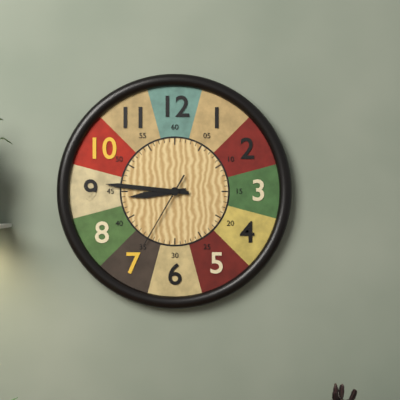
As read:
h=8 m=46 s=35
